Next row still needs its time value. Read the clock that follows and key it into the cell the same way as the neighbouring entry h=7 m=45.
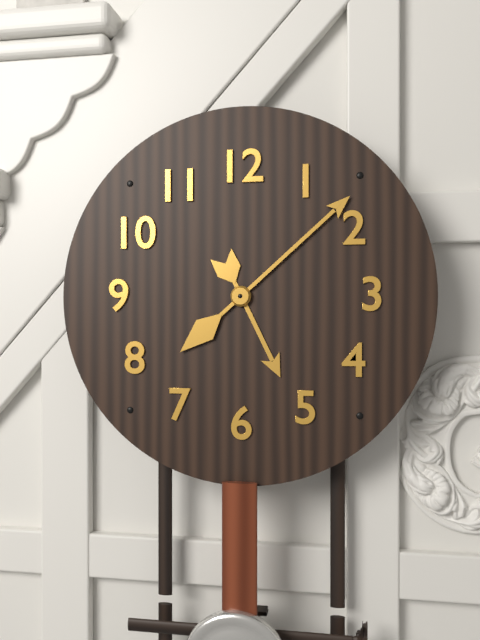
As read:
h=5 m=8
